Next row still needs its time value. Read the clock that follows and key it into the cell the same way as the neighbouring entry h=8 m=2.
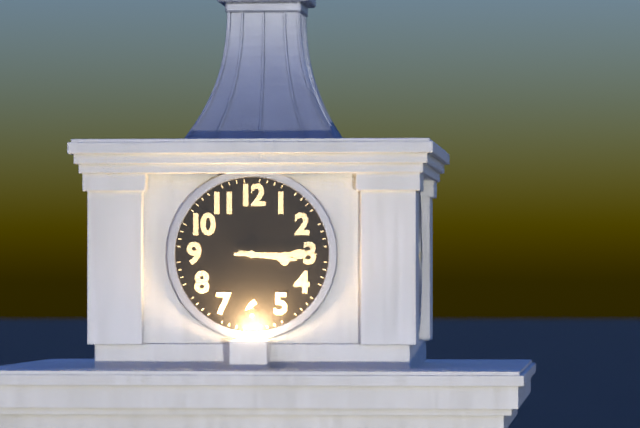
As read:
h=3 m=15
